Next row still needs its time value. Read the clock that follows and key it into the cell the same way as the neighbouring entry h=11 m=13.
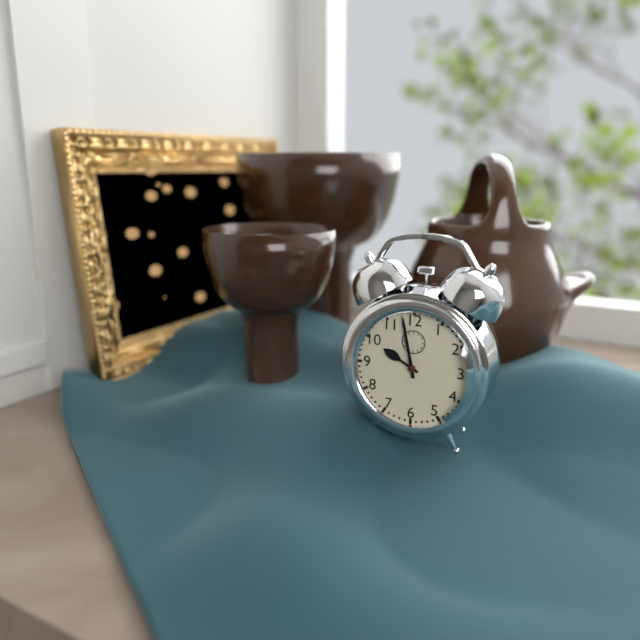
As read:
h=9 m=58
